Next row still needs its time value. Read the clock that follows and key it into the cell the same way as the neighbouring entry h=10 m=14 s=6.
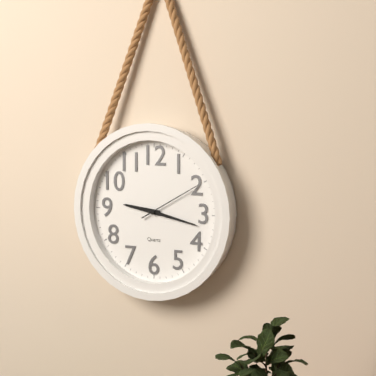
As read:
h=9 m=17 s=10
